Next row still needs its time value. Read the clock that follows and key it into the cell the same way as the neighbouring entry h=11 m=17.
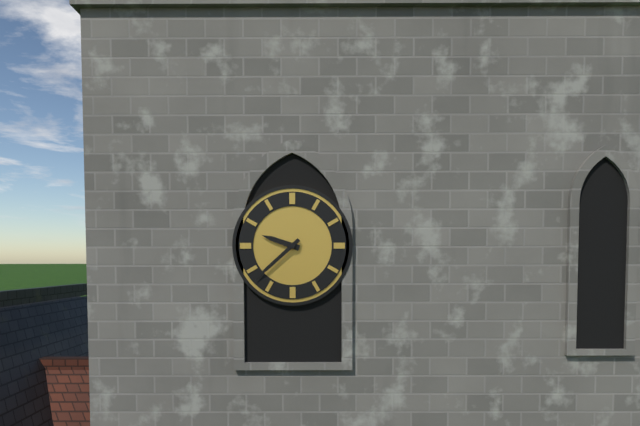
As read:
h=9 m=38
